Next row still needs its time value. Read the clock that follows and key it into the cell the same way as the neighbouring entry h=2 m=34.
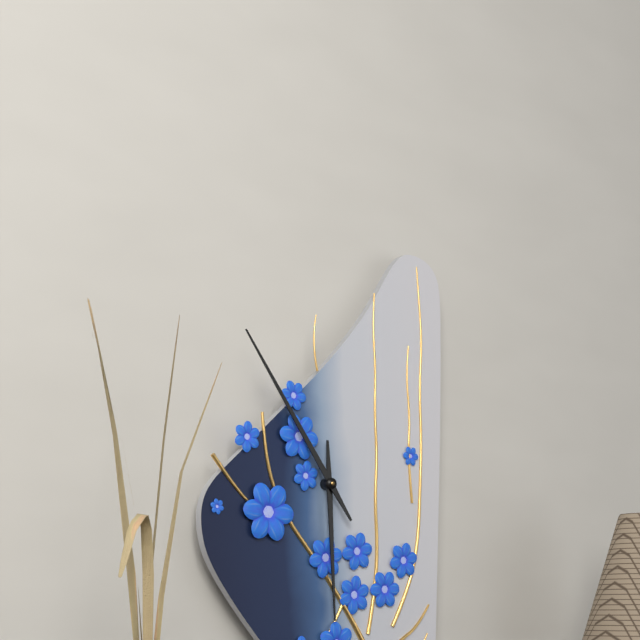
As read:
h=5 m=54
